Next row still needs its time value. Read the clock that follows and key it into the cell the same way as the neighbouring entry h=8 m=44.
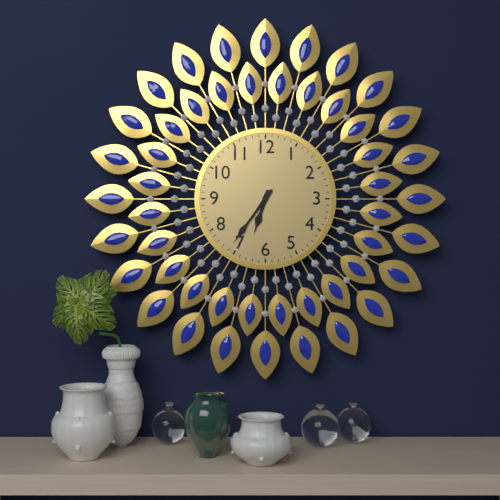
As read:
h=6 m=36
